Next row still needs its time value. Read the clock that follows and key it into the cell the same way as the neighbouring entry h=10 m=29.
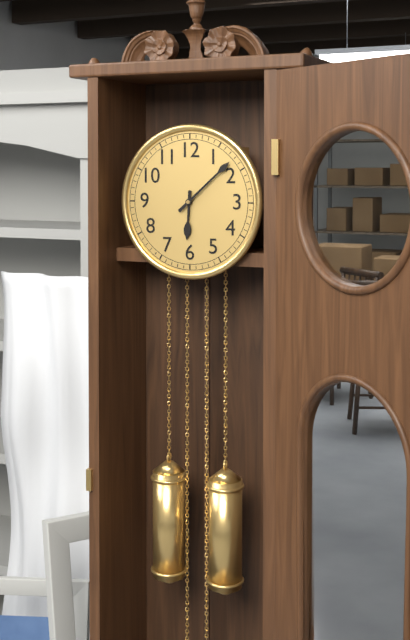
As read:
h=6 m=8
